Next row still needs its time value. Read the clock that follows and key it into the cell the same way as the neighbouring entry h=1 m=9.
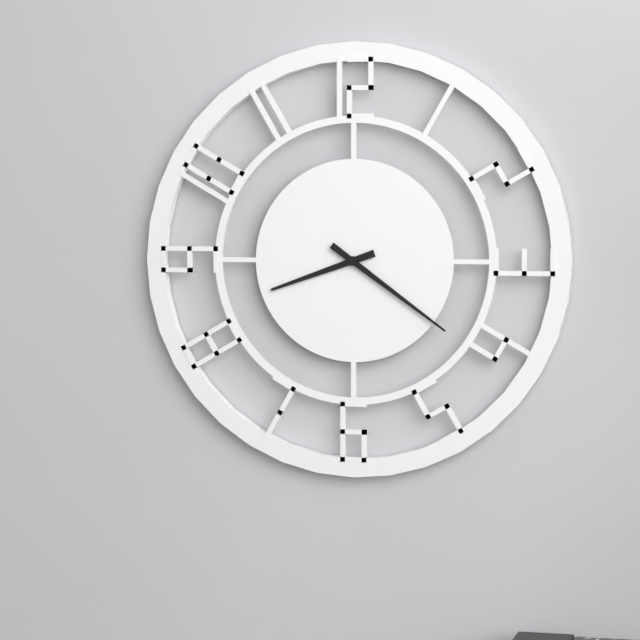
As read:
h=8 m=21
